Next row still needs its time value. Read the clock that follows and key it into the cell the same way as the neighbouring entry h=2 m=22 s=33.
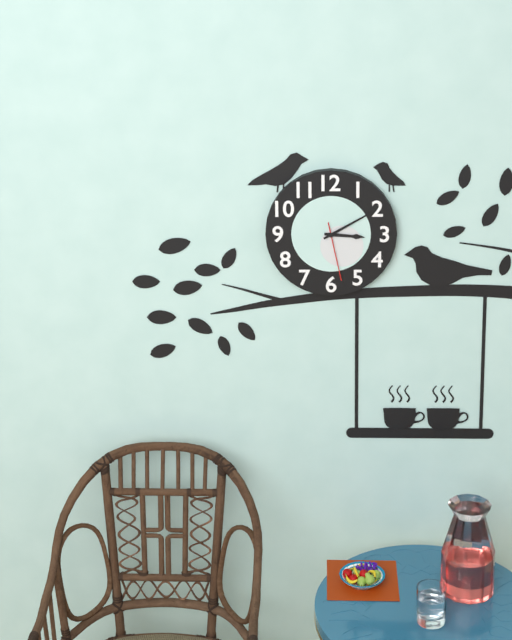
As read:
h=3 m=10 s=28
